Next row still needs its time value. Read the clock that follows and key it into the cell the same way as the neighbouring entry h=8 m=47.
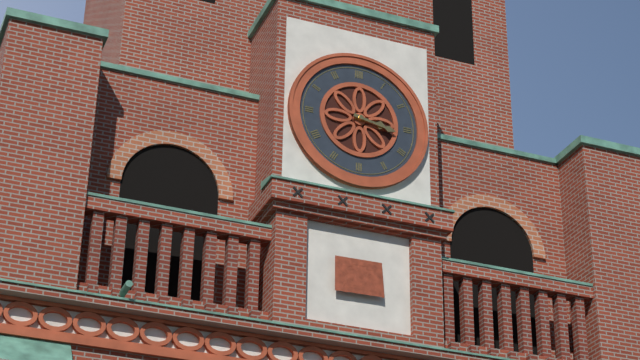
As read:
h=3 m=17
